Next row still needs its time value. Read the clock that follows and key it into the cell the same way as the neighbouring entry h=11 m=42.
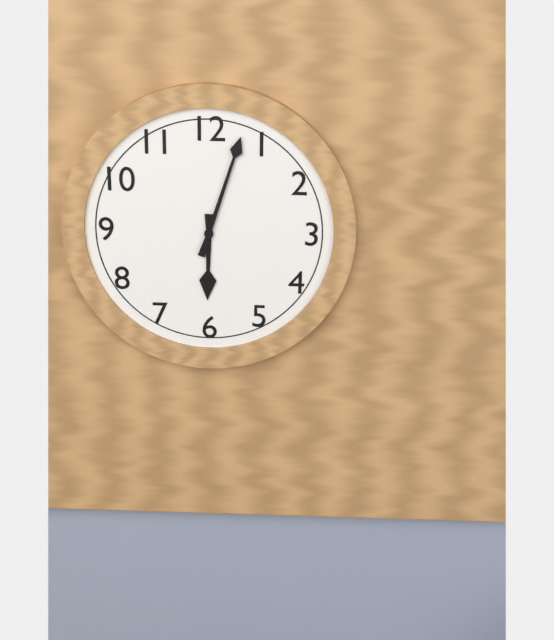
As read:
h=6 m=3
